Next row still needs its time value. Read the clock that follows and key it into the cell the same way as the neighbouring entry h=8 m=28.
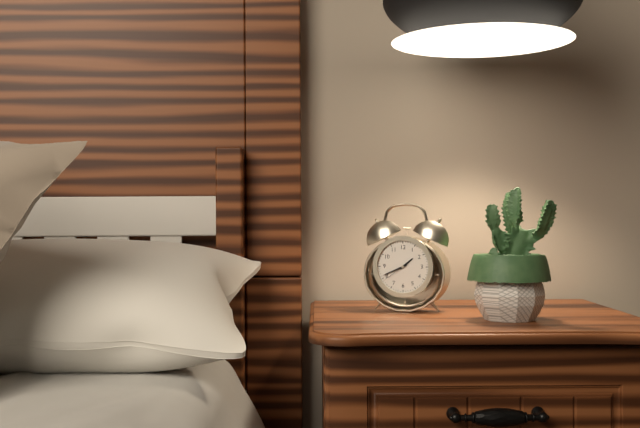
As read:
h=1 m=41
